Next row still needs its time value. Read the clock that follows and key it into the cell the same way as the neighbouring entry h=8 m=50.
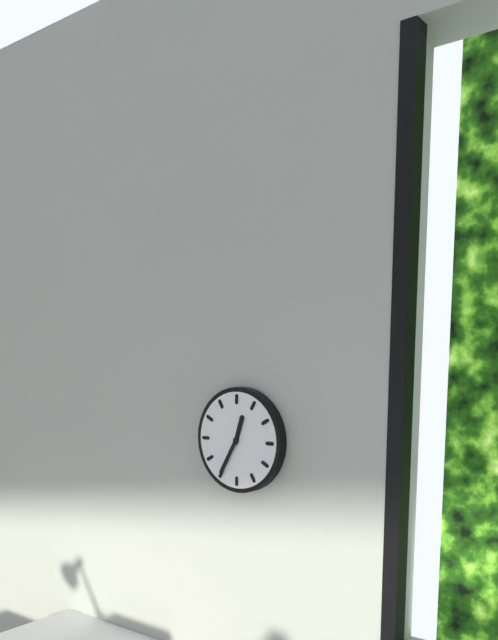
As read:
h=12 m=35
